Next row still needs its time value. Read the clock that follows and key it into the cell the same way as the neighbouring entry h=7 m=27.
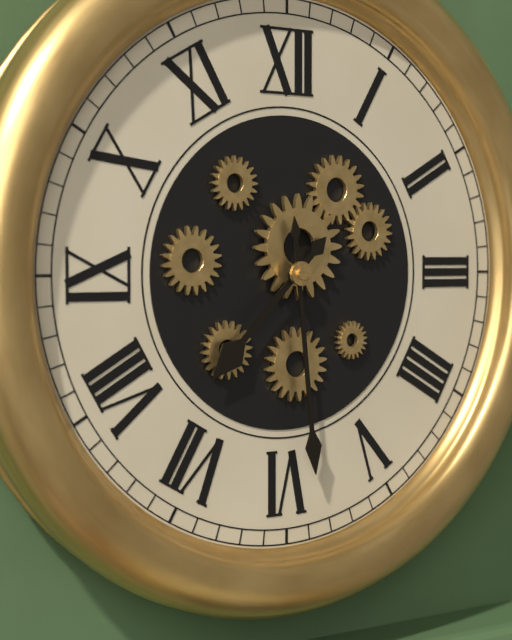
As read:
h=7 m=29
